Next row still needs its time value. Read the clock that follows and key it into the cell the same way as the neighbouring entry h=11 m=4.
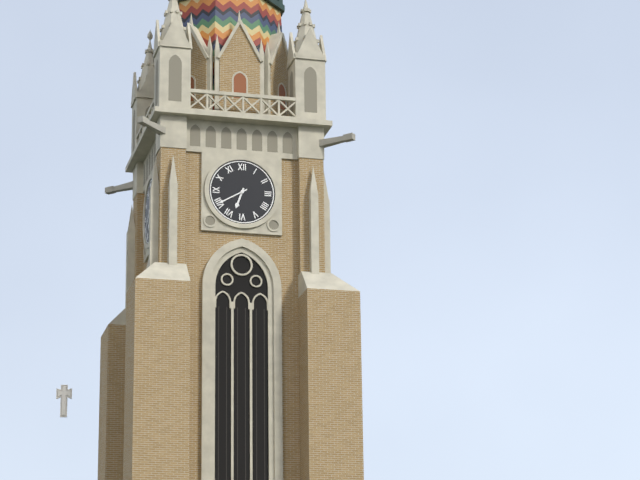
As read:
h=6 m=40
